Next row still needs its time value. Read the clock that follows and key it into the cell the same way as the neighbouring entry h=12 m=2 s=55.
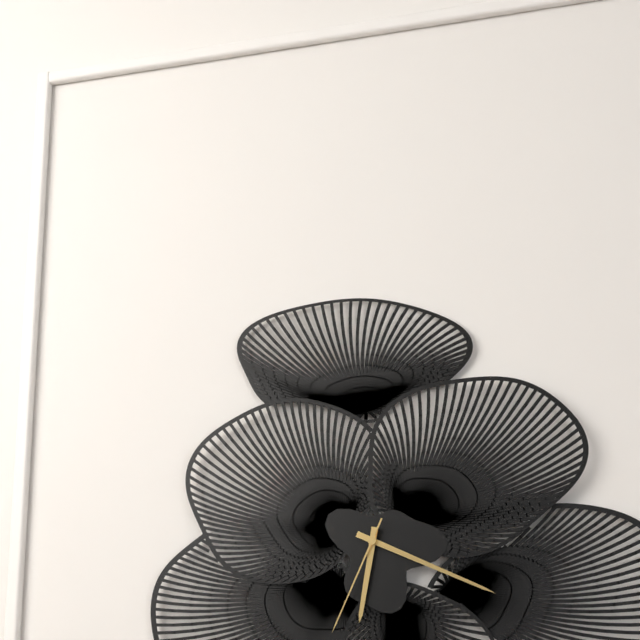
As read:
h=6 m=19 s=34
